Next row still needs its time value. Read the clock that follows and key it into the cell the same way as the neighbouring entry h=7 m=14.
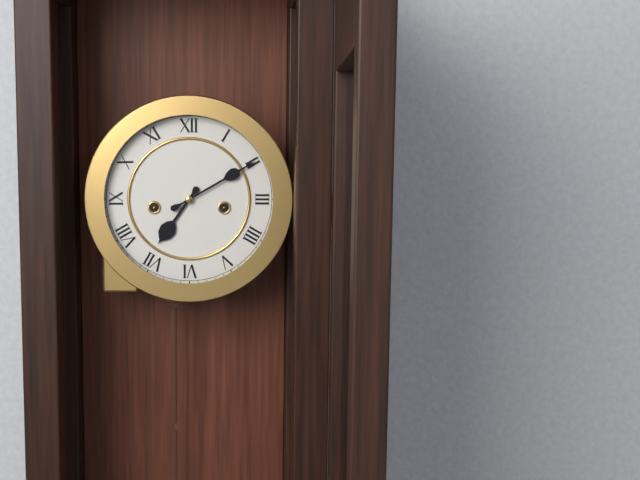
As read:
h=7 m=10
